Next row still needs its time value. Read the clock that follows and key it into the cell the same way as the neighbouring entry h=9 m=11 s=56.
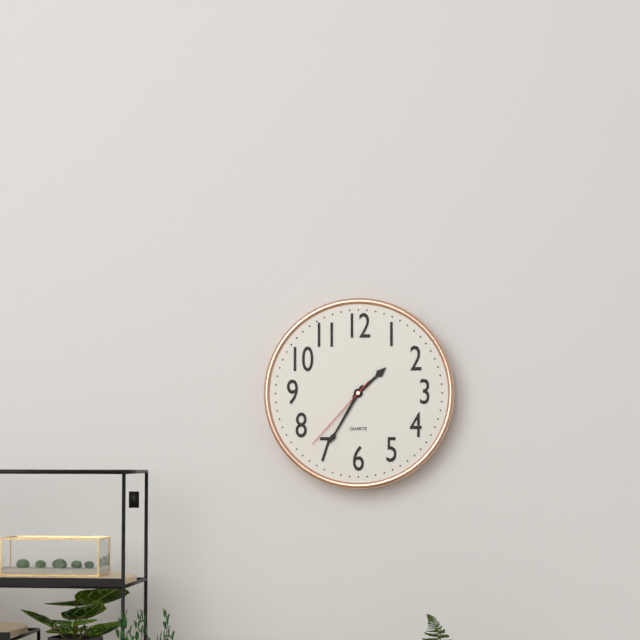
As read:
h=1 m=35 s=37
